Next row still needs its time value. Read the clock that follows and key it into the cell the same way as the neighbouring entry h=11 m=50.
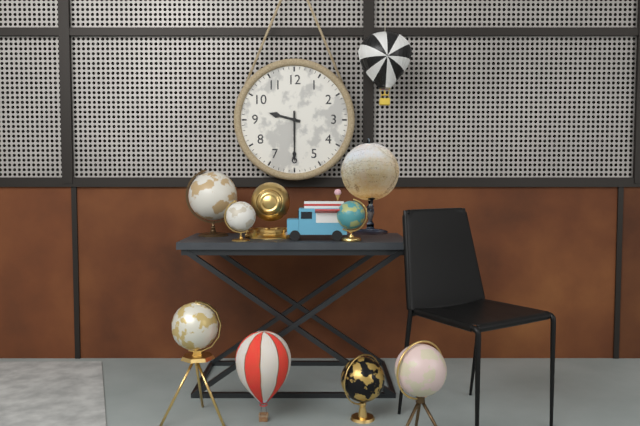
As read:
h=9 m=30
